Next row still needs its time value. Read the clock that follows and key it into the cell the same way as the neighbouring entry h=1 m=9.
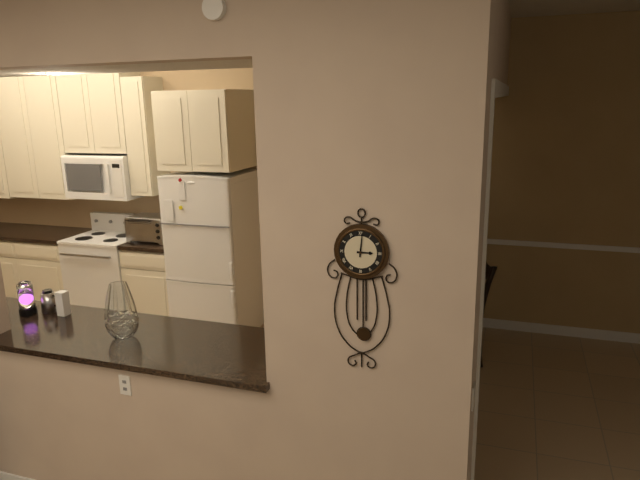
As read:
h=3 m=1
